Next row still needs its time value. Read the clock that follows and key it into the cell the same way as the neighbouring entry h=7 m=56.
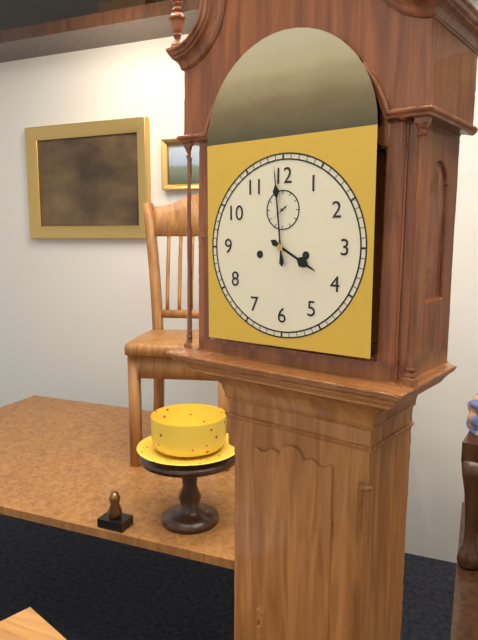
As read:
h=3 m=59
